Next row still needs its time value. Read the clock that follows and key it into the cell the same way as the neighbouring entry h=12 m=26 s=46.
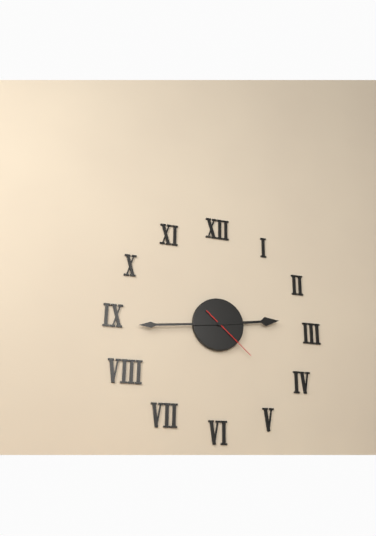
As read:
h=2 m=44 s=22
